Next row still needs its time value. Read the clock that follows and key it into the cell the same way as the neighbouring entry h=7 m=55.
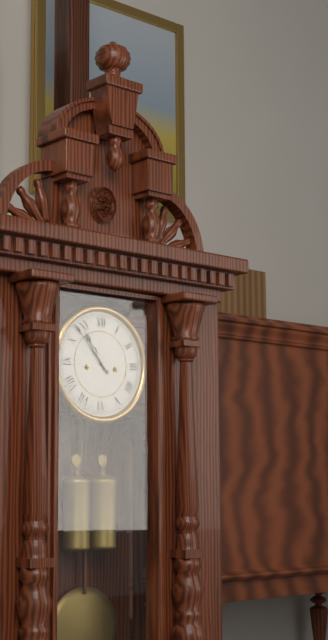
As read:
h=10 m=53
